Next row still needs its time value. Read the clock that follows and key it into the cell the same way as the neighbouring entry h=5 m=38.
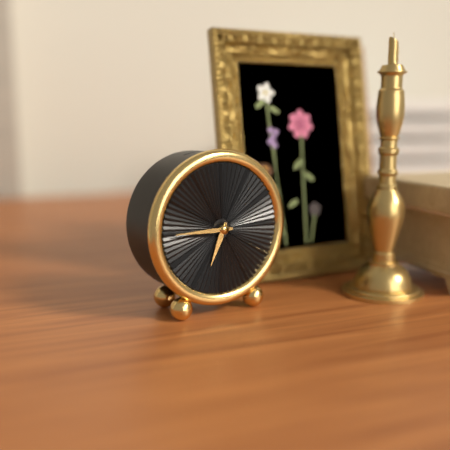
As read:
h=6 m=45
